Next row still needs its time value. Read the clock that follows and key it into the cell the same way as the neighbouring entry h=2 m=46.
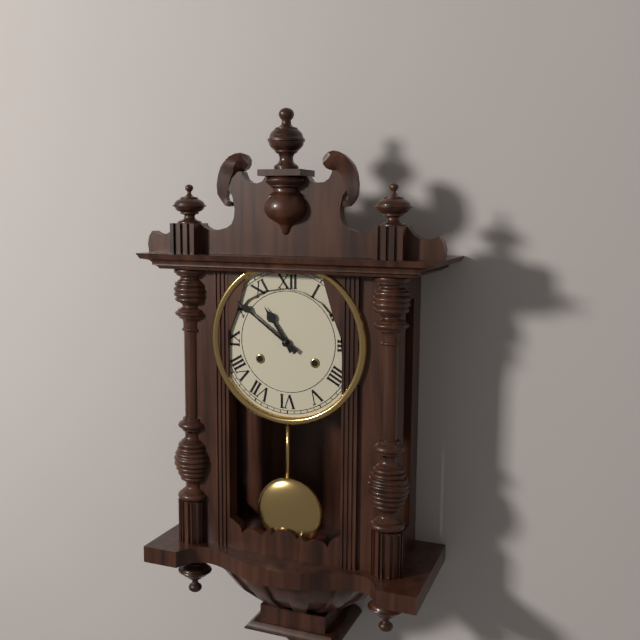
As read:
h=10 m=51
